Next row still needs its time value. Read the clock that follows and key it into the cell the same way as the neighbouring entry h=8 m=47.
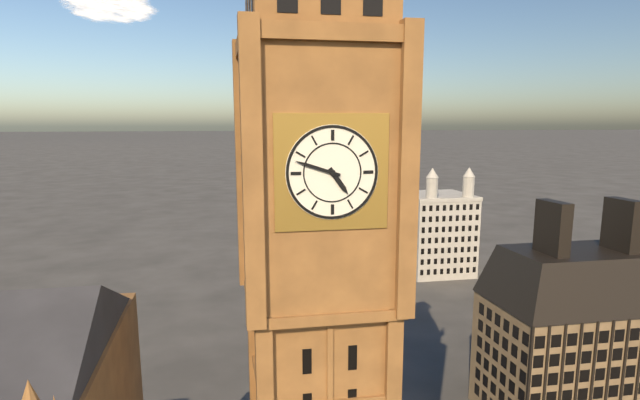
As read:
h=4 m=48
